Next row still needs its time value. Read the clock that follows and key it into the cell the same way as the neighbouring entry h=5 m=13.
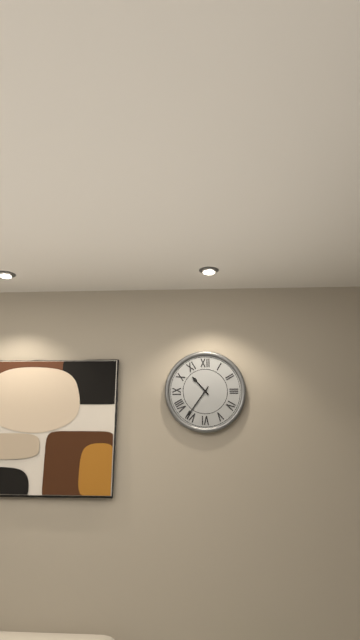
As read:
h=10 m=36
